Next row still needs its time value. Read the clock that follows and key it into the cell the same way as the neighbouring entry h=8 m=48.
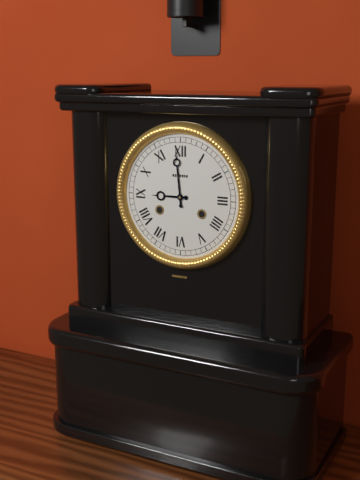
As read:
h=8 m=59
